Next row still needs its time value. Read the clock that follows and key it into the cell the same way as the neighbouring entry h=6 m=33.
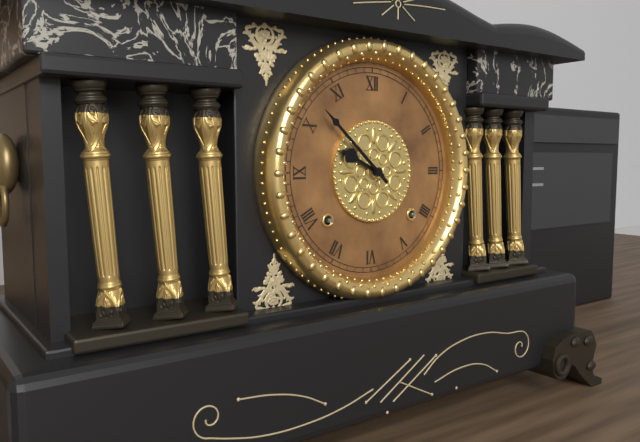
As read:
h=9 m=52
